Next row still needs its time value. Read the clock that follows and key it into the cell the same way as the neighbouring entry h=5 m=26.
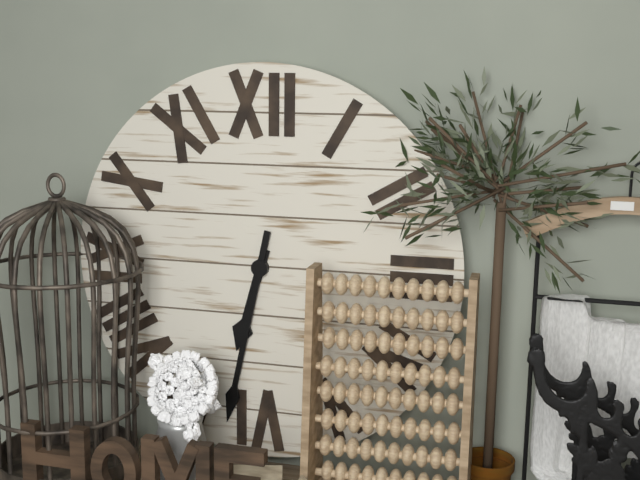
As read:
h=6 m=32
